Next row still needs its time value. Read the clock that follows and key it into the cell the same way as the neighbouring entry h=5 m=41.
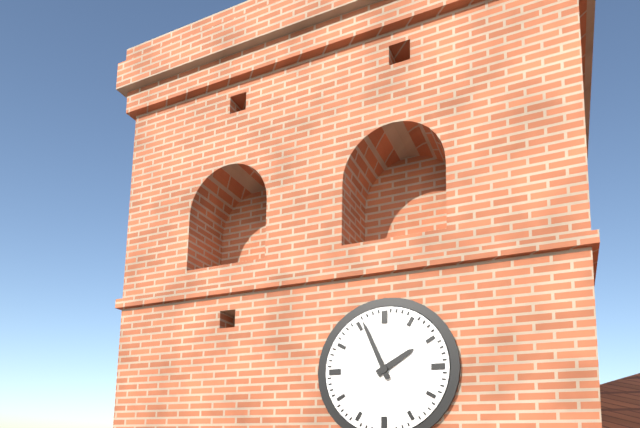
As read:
h=1 m=56
